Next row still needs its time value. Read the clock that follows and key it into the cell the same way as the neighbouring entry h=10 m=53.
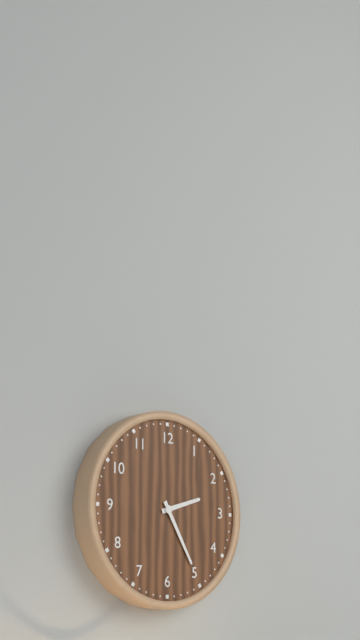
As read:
h=2 m=25
